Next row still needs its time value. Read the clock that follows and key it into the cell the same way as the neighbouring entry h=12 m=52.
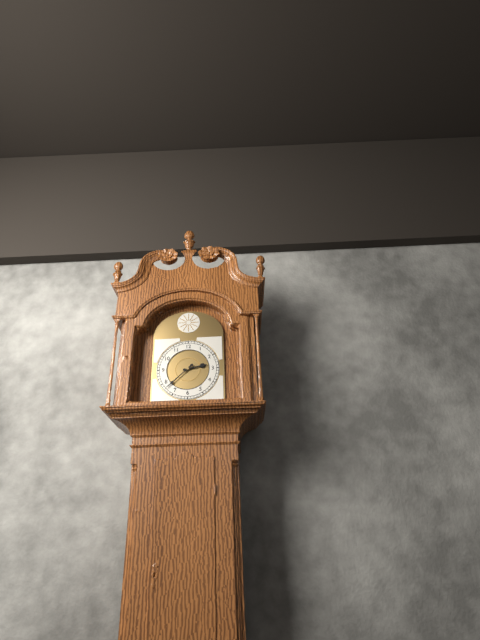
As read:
h=2 m=38
